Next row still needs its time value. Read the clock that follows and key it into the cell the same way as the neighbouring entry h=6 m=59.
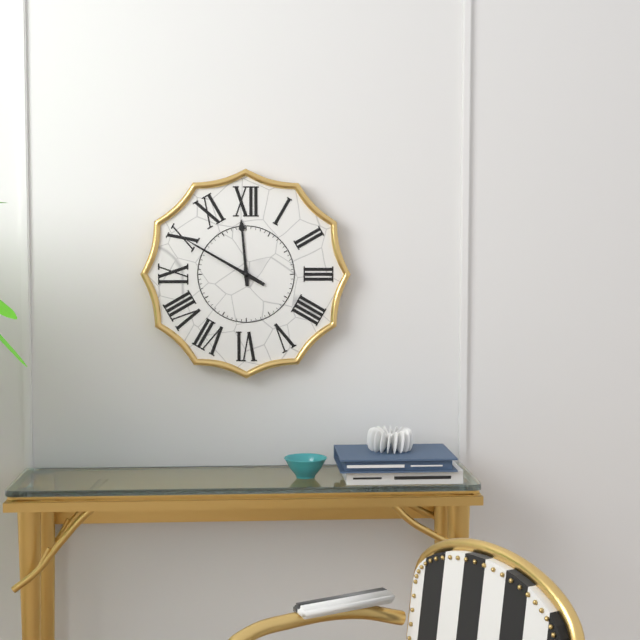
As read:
h=11 m=50
